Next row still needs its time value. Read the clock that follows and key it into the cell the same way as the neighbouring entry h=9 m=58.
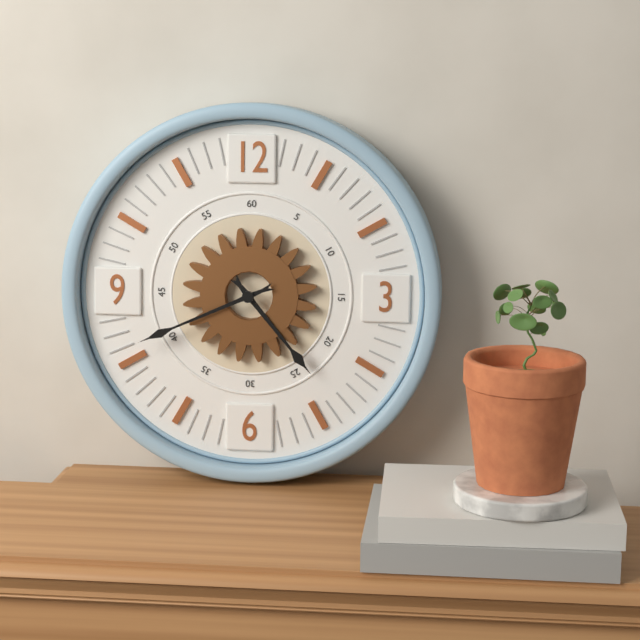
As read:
h=4 m=41
